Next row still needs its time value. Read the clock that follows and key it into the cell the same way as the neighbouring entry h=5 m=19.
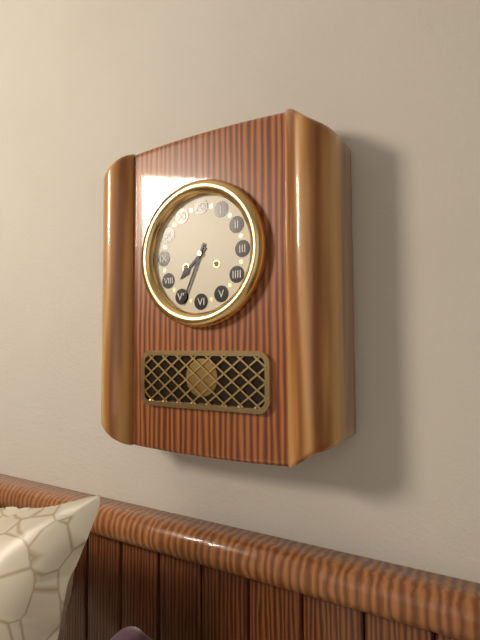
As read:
h=7 m=34
